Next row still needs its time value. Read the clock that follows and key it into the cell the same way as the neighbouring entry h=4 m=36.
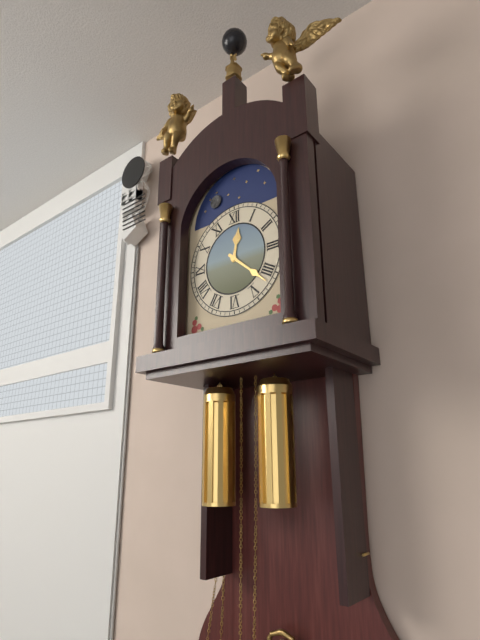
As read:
h=12 m=22
